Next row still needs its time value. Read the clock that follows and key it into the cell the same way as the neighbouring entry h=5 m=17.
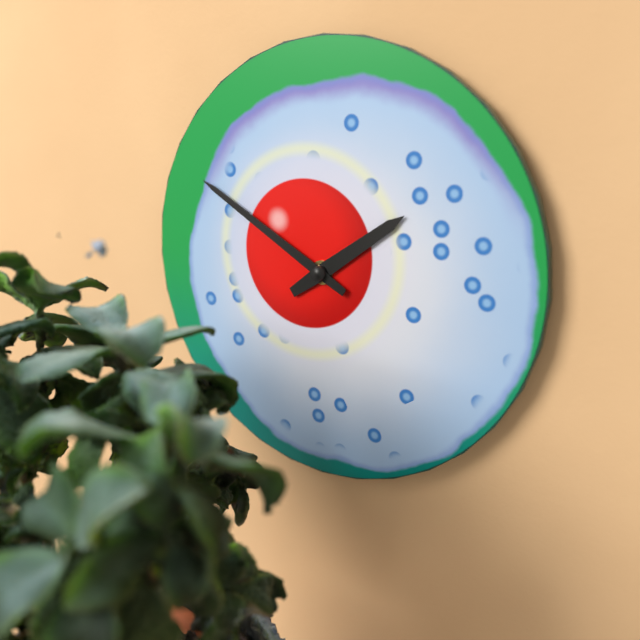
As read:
h=1 m=50
